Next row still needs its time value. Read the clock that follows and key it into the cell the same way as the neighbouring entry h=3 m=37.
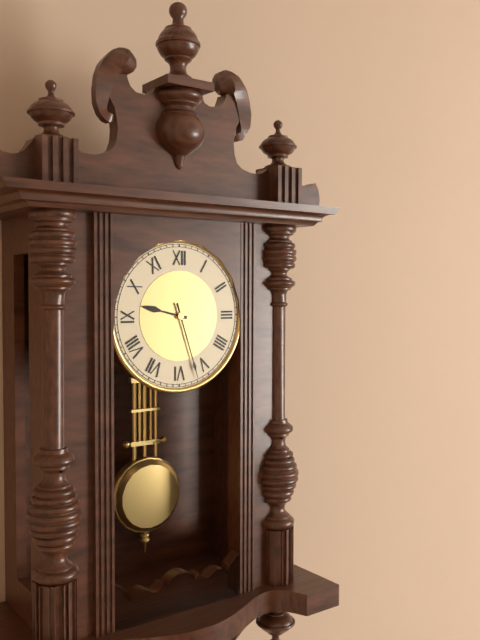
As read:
h=9 m=27
